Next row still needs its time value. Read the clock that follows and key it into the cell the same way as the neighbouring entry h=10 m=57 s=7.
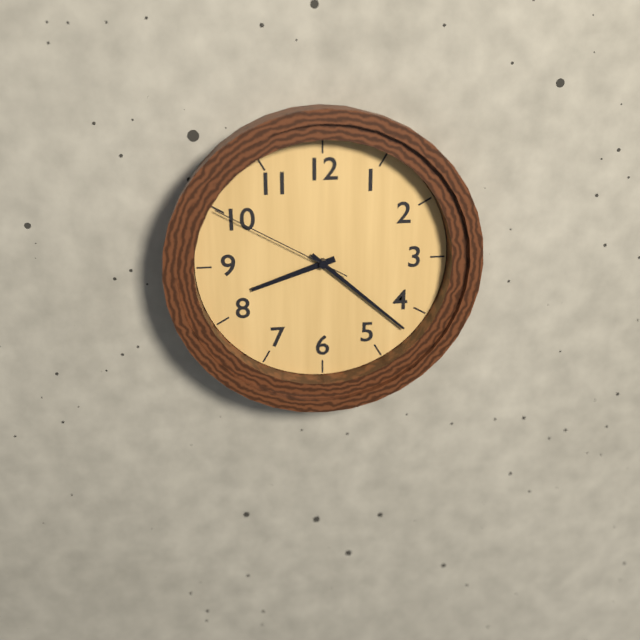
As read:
h=8 m=22 s=50
